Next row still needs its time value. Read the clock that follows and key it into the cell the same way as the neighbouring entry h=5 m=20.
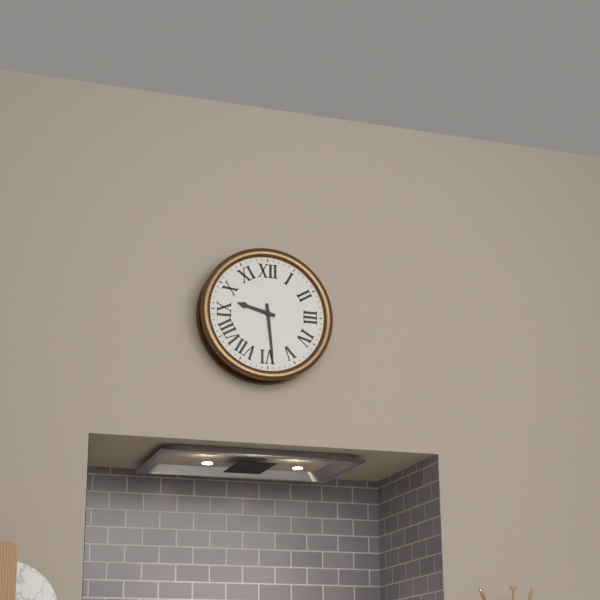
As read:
h=9 m=29
